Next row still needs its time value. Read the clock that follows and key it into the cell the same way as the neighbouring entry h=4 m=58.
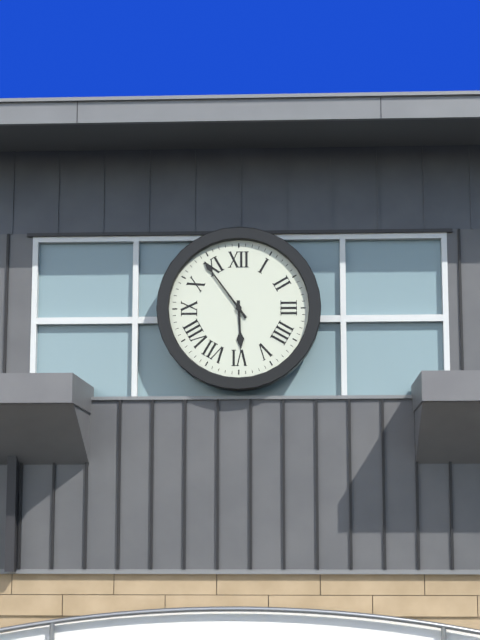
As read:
h=5 m=54
